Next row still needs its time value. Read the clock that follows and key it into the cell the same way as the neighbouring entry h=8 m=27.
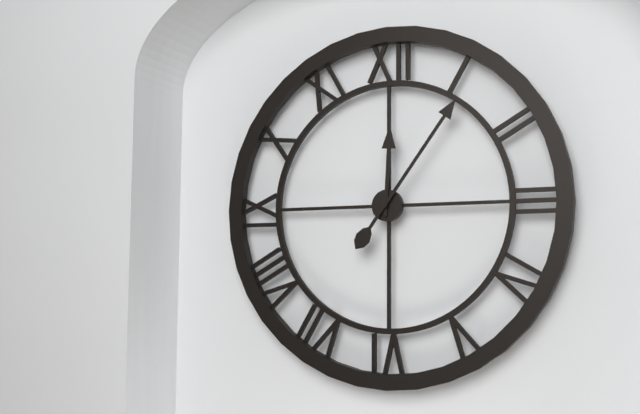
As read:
h=12 m=6
